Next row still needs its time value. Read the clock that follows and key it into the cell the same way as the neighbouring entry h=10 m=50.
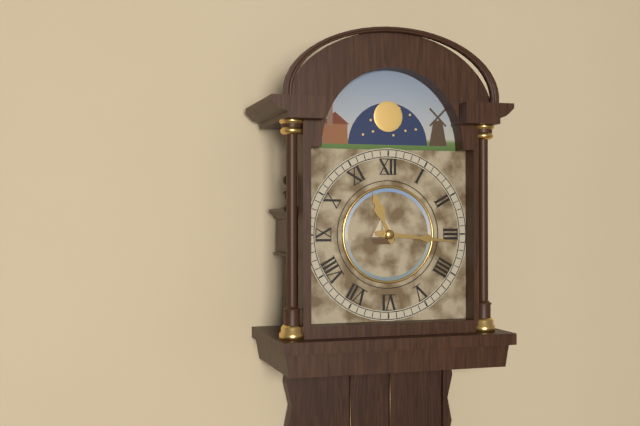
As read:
h=11 m=16
